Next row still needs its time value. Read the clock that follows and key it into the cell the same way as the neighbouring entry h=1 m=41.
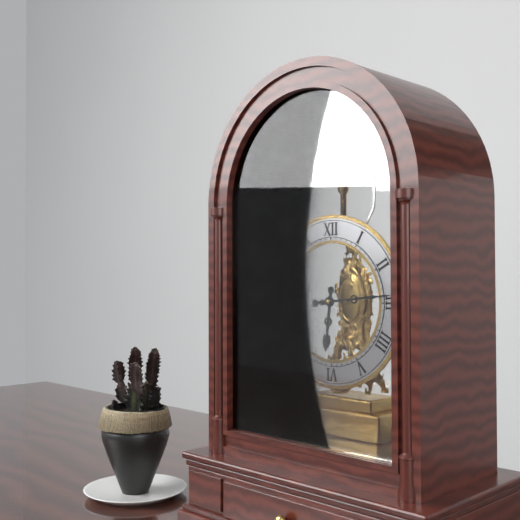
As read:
h=6 m=14
